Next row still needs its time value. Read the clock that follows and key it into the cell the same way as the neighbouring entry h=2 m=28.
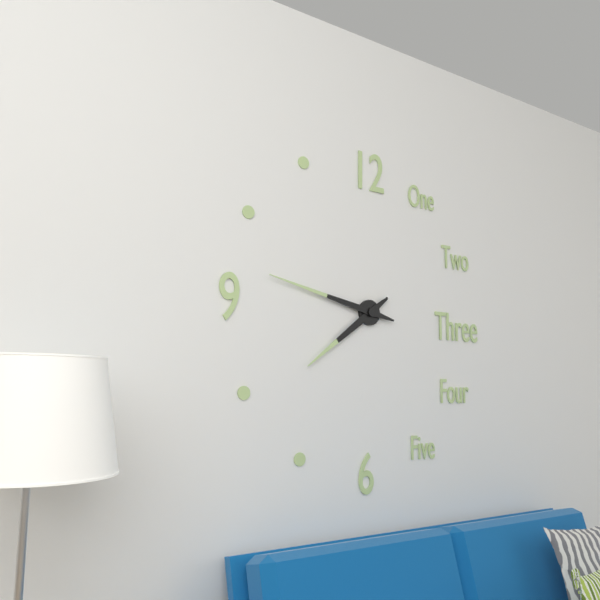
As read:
h=7 m=47
